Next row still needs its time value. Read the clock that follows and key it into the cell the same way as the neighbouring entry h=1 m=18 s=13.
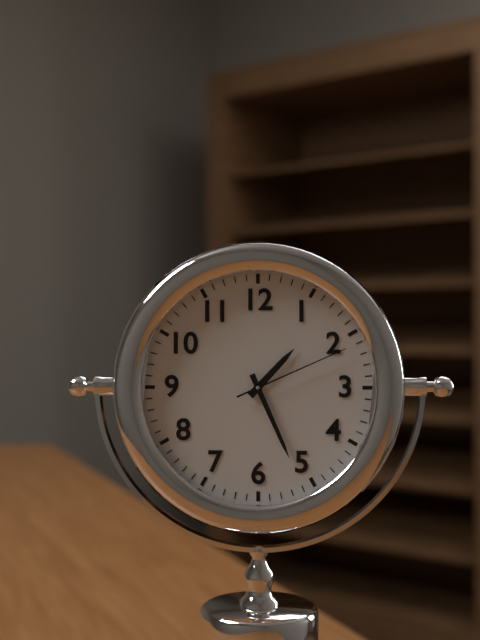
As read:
h=1 m=26 s=11
